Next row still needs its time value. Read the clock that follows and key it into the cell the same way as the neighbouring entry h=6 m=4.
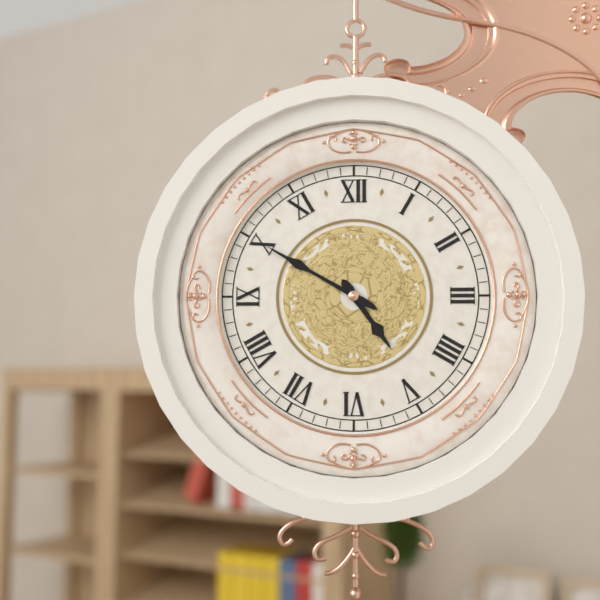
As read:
h=4 m=50
